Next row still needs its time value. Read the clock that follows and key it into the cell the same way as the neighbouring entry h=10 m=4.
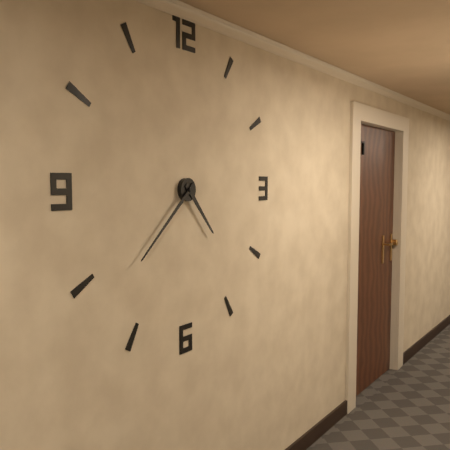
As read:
h=4 m=38
